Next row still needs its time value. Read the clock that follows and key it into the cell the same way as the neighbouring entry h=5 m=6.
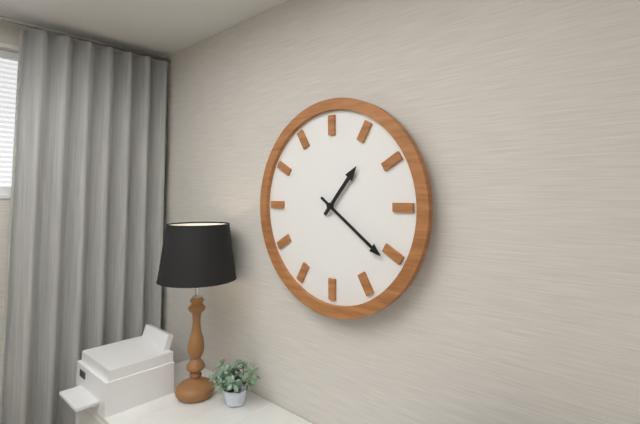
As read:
h=1 m=21
